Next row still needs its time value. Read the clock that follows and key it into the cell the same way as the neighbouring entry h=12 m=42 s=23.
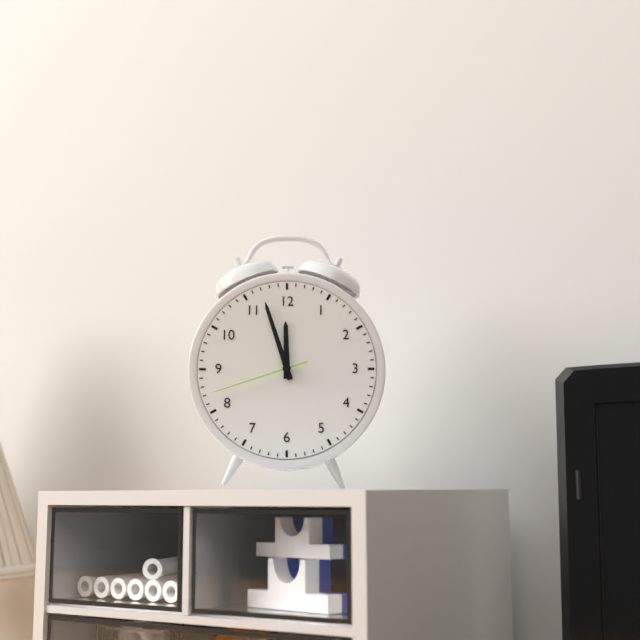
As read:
h=11 m=57 s=42
